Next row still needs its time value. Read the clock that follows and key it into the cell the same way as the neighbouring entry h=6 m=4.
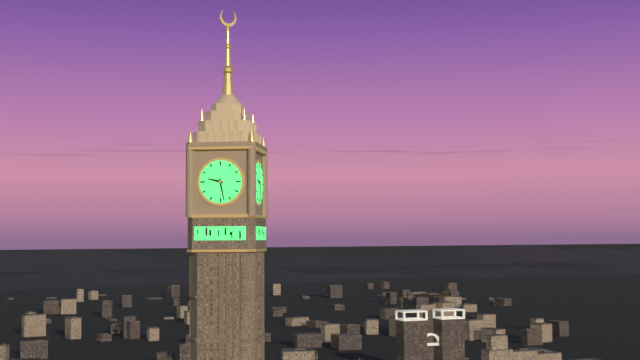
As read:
h=9 m=28
